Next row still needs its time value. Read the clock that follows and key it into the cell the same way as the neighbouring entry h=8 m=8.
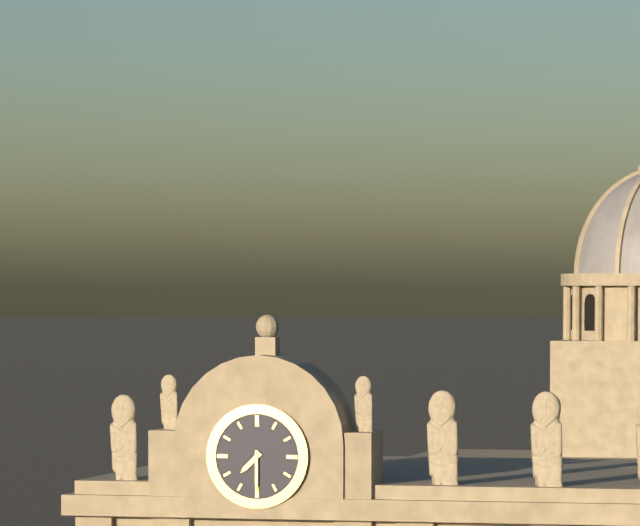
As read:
h=7 m=30
